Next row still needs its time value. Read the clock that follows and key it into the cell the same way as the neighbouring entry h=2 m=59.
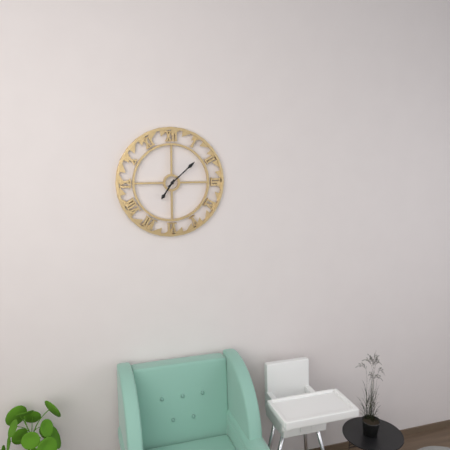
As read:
h=7 m=8
